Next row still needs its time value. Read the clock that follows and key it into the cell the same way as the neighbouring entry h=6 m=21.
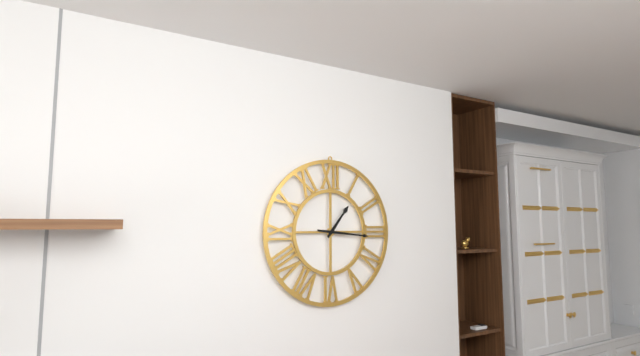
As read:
h=1 m=16
